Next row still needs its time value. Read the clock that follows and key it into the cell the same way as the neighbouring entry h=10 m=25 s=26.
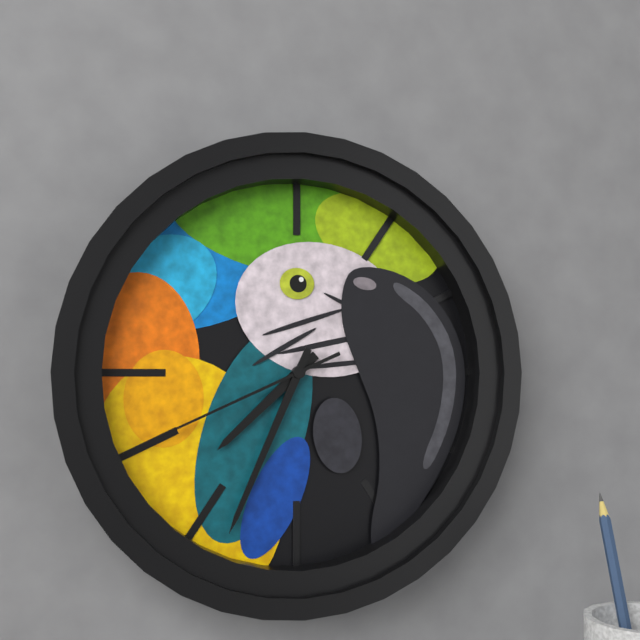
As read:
h=7 m=34 s=41
